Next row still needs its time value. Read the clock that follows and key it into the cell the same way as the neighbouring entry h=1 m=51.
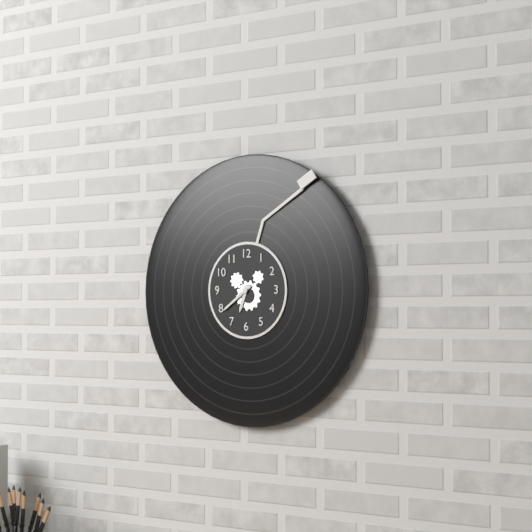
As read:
h=6 m=39
